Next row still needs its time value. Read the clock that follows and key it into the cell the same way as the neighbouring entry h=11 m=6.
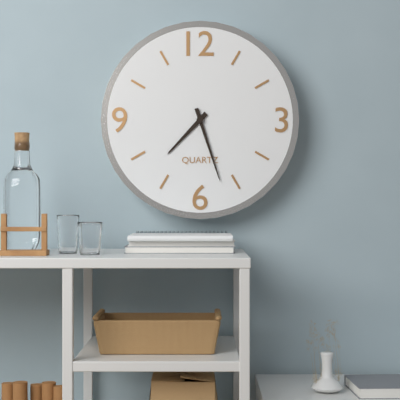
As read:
h=7 m=27
